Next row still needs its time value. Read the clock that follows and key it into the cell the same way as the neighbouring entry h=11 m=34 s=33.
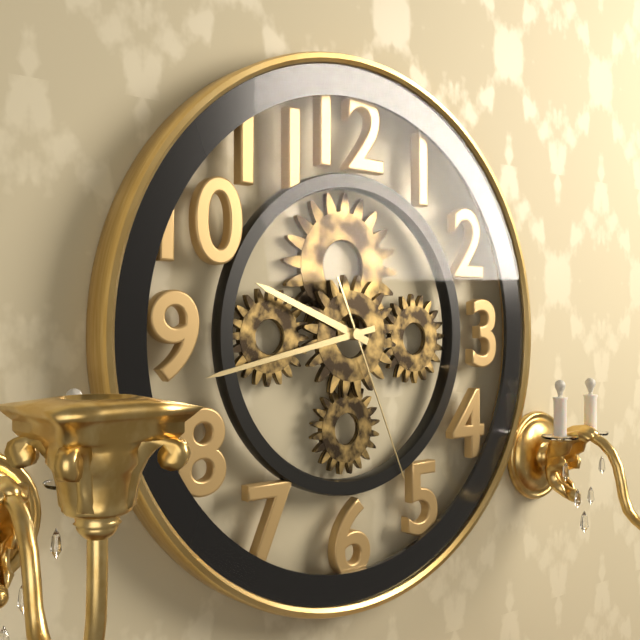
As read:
h=9 m=43 s=26
